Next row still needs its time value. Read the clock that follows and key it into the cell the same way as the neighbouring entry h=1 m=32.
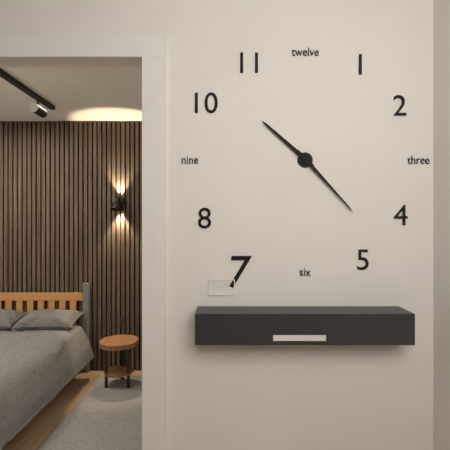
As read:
h=10 m=23
